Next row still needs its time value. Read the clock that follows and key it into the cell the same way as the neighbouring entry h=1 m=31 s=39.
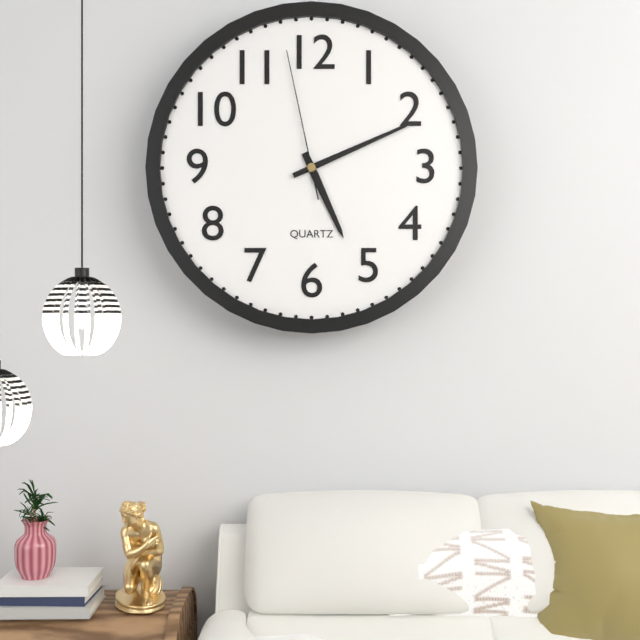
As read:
h=5 m=11 s=58
